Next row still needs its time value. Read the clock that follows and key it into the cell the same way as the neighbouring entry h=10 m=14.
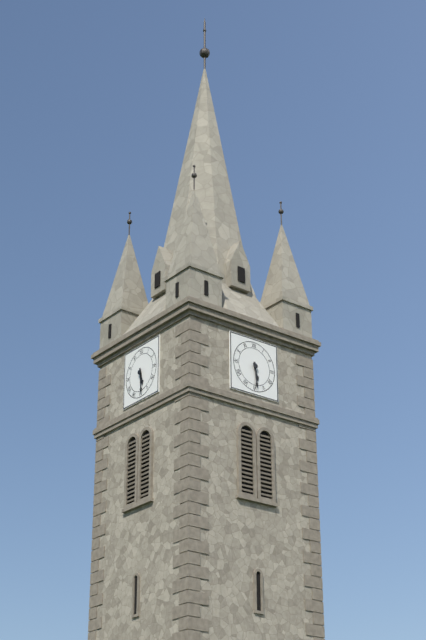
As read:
h=5 m=29
